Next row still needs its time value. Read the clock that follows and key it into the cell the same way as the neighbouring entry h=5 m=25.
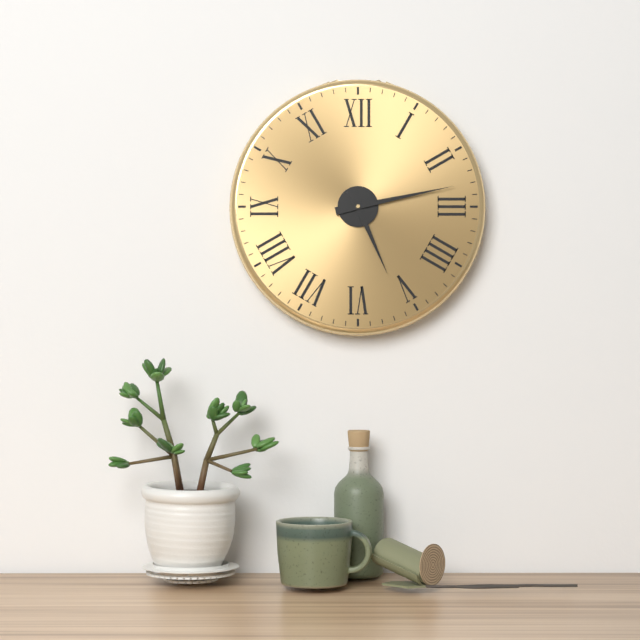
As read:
h=5 m=13
